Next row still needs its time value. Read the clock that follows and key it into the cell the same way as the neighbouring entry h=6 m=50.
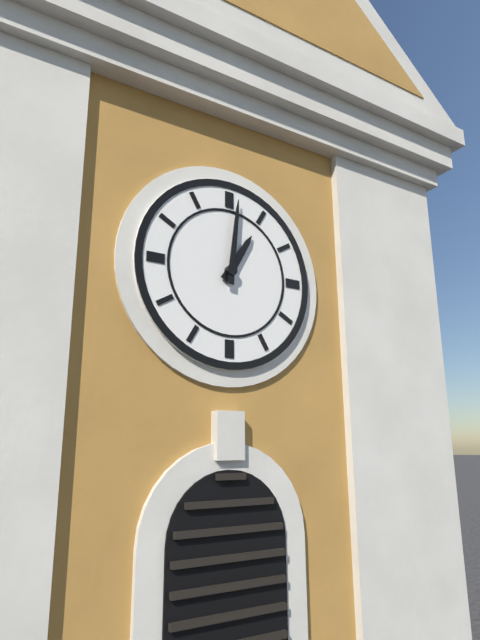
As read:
h=1 m=1
